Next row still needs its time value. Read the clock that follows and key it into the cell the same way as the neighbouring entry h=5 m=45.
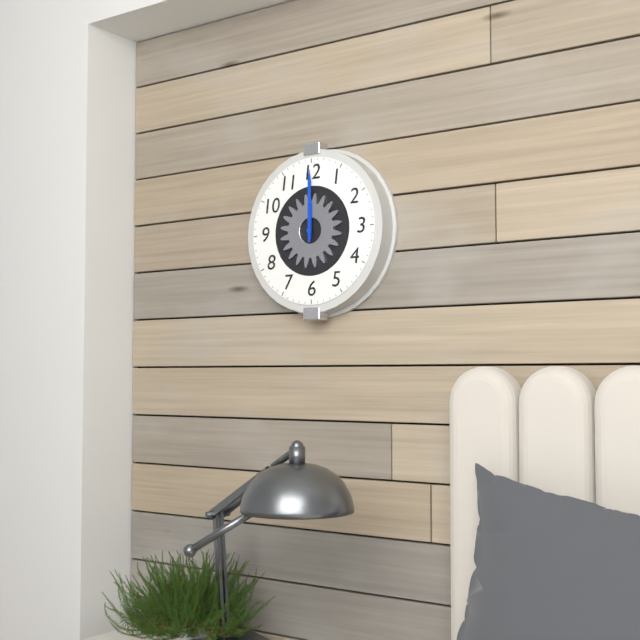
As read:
h=12 m=0
